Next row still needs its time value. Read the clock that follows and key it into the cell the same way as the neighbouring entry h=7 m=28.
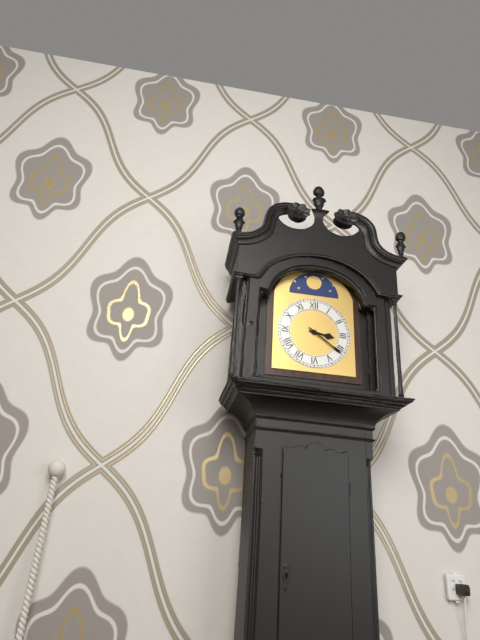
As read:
h=3 m=21
